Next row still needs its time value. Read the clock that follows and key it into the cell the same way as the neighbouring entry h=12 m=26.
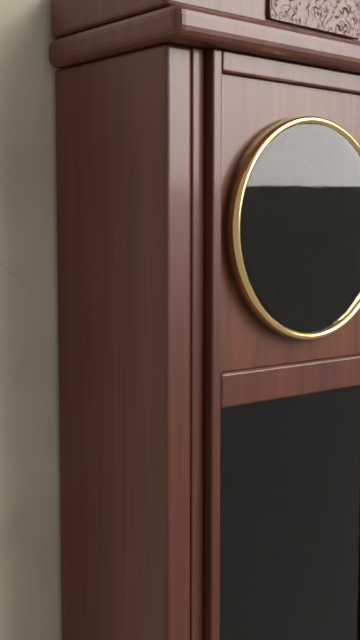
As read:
h=11 m=51
